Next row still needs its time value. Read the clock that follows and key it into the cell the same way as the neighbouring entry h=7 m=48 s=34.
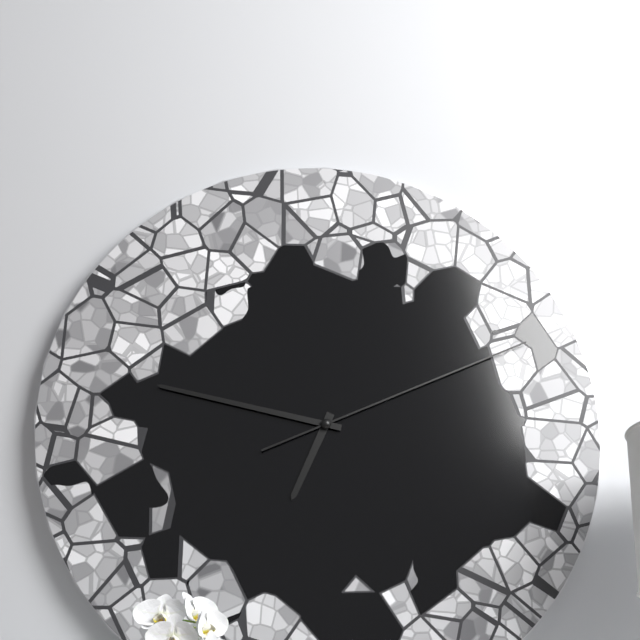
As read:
h=6 m=47 s=11
